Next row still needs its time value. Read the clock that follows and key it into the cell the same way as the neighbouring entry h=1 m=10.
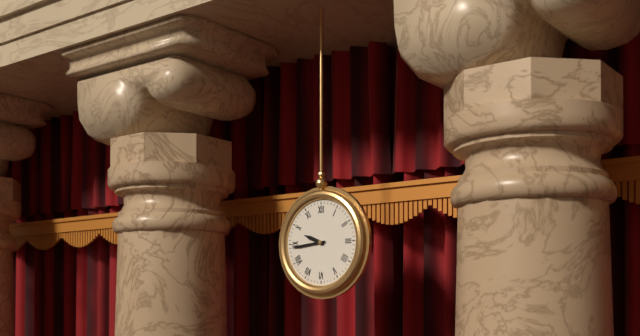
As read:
h=9 m=44
